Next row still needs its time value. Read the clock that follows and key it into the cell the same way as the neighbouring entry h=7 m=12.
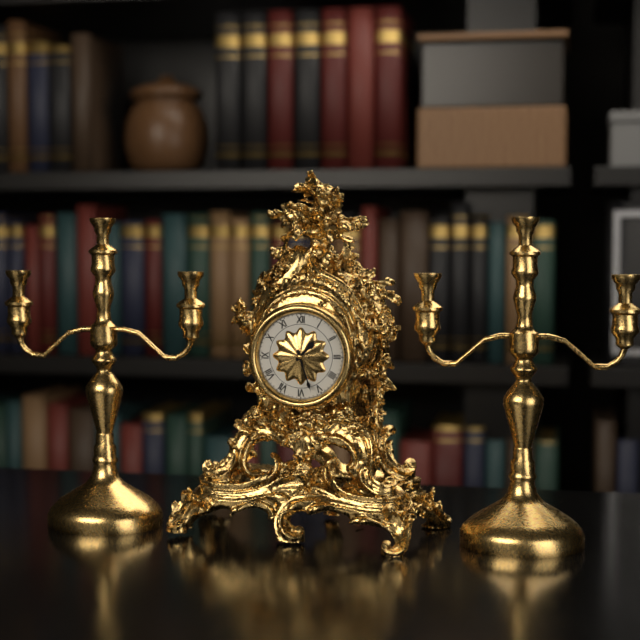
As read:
h=1 m=27
